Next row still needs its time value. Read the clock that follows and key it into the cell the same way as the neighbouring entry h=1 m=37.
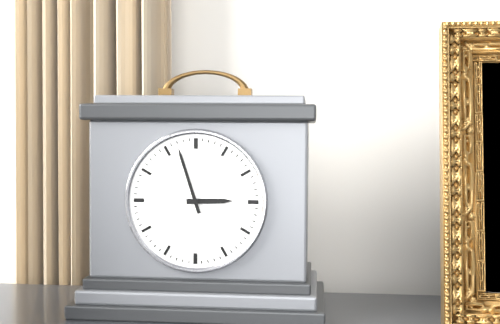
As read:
h=2 m=57
